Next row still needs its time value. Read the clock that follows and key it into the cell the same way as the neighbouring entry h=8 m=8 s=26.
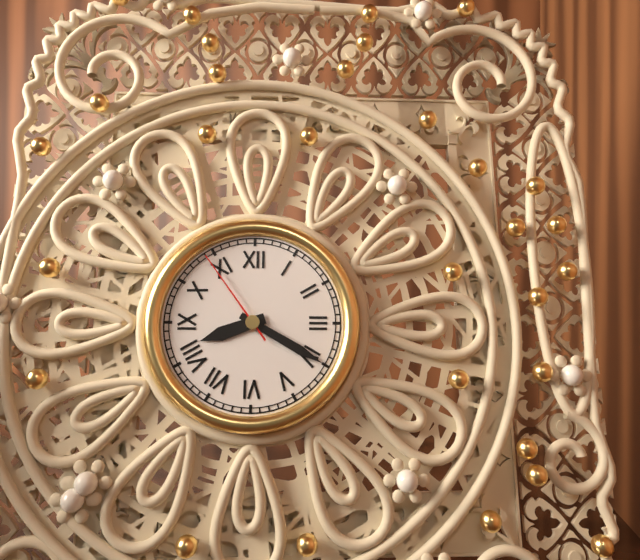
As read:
h=8 m=20 s=54
